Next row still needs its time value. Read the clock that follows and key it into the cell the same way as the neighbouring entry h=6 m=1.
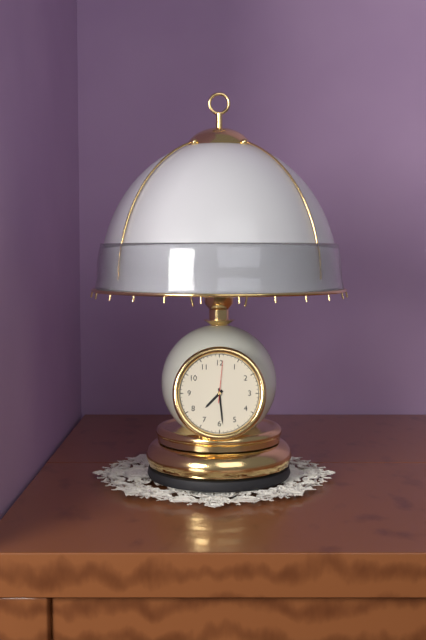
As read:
h=7 m=29
